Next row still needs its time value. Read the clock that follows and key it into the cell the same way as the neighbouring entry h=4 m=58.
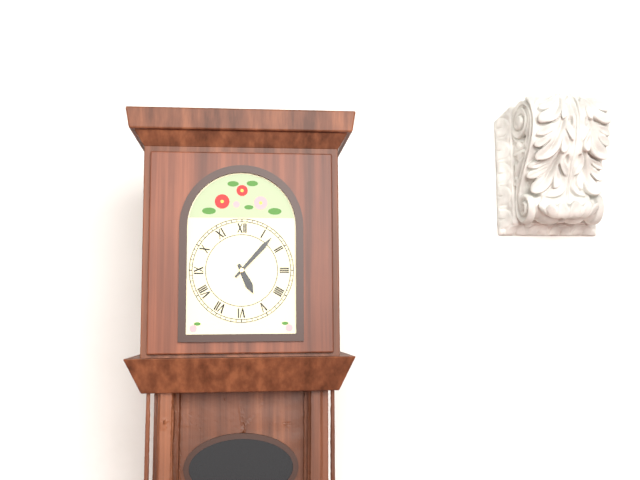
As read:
h=5 m=7
